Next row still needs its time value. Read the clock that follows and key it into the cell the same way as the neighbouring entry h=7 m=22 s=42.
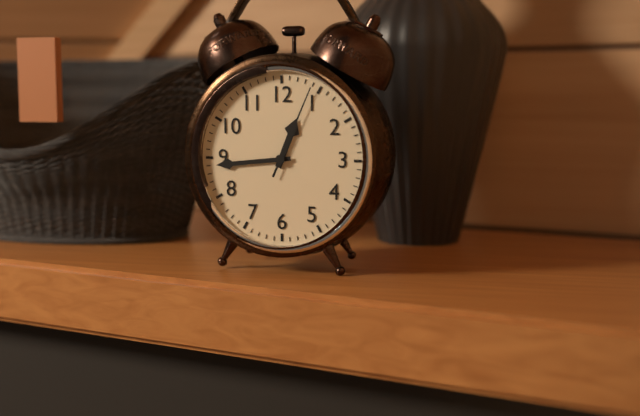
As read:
h=12 m=44 s=4
